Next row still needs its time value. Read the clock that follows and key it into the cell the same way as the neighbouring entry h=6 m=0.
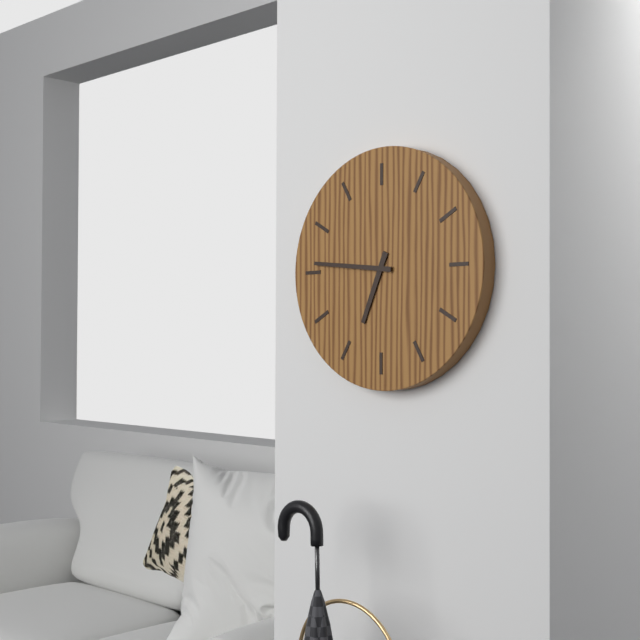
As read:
h=6 m=46
